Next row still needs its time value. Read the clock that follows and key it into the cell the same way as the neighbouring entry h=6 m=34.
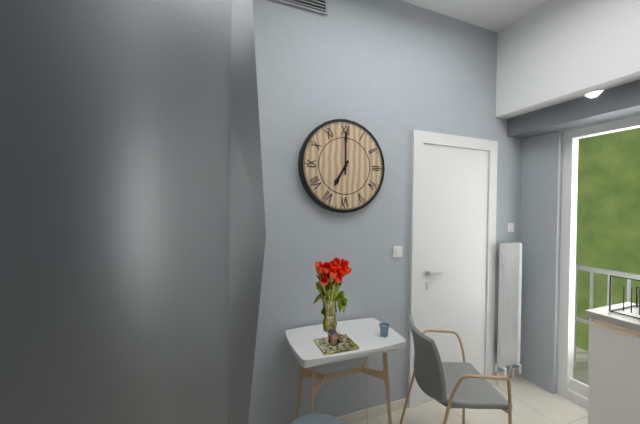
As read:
h=7 m=0
